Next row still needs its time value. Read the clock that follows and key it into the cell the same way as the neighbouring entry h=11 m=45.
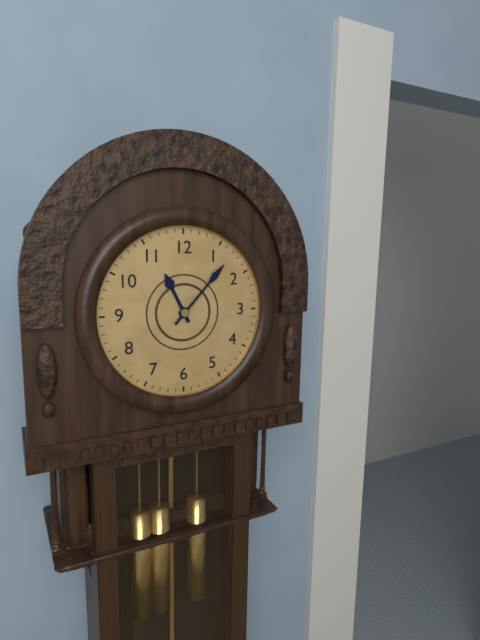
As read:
h=11 m=7
